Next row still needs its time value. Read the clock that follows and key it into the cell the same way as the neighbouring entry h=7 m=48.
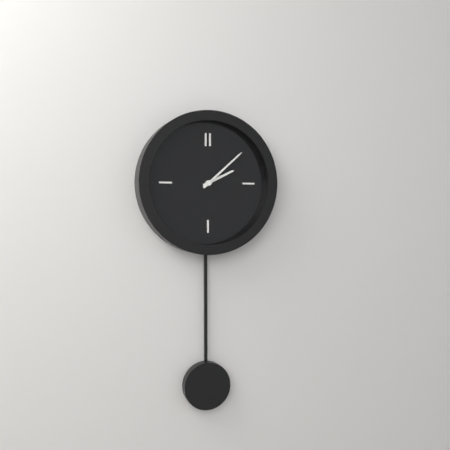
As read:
h=2 m=8
